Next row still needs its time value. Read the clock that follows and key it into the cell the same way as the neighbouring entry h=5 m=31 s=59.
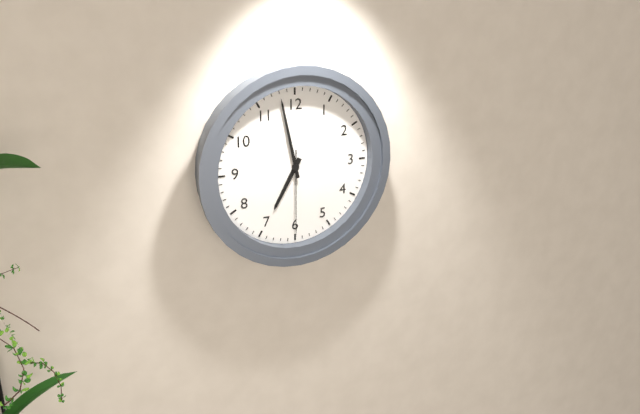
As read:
h=6 m=58 s=30
